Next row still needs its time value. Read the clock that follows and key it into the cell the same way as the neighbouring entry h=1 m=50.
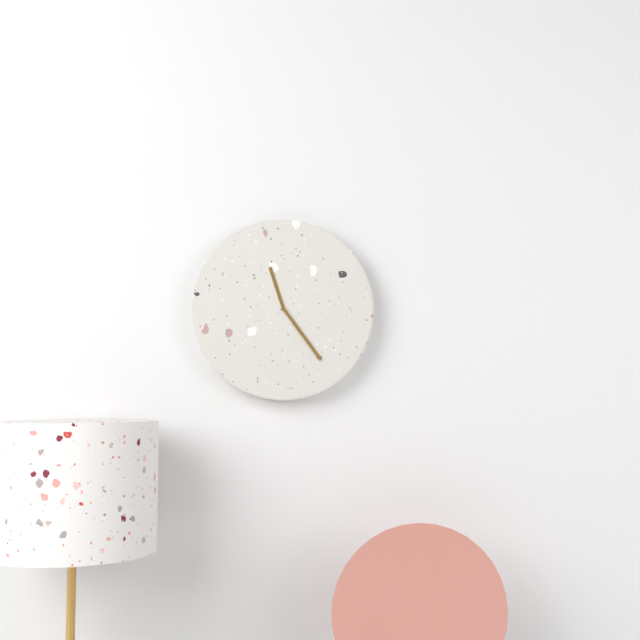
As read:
h=11 m=24
